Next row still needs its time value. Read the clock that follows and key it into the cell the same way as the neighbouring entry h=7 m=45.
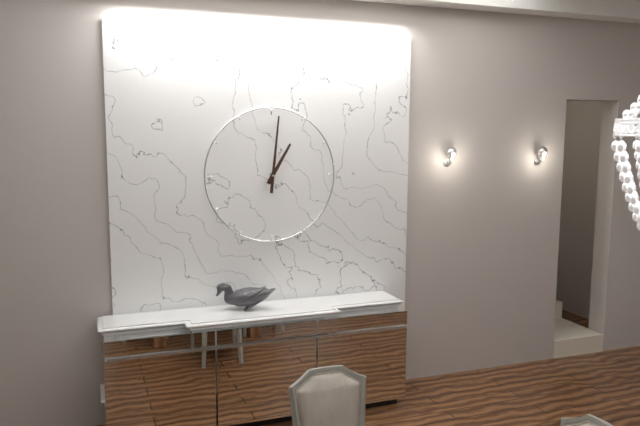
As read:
h=1 m=1
